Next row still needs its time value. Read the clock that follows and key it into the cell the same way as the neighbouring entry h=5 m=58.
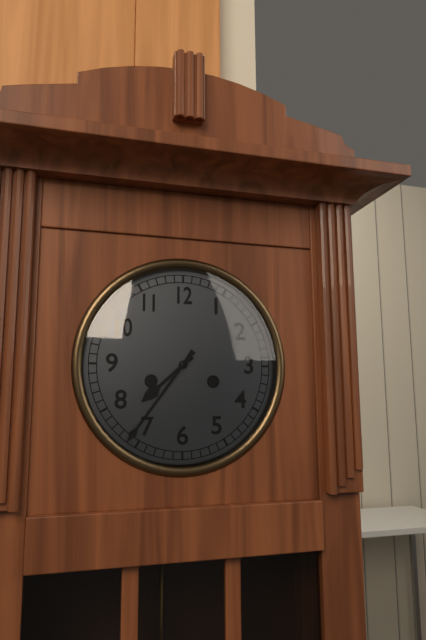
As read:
h=7 m=36
